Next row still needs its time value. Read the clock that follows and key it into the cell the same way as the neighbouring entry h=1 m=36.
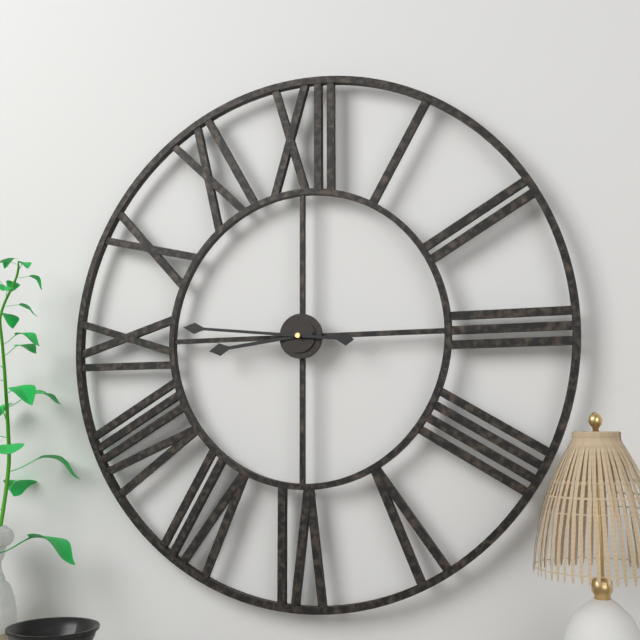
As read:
h=8 m=46
